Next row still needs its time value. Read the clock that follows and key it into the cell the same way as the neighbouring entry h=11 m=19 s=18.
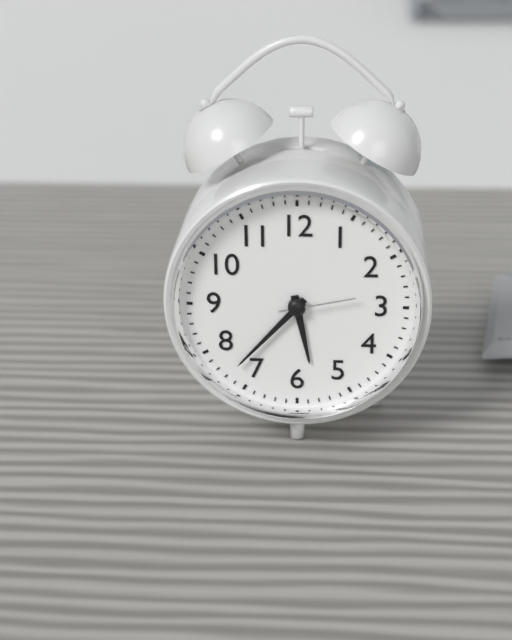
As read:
h=5 m=37 s=13
